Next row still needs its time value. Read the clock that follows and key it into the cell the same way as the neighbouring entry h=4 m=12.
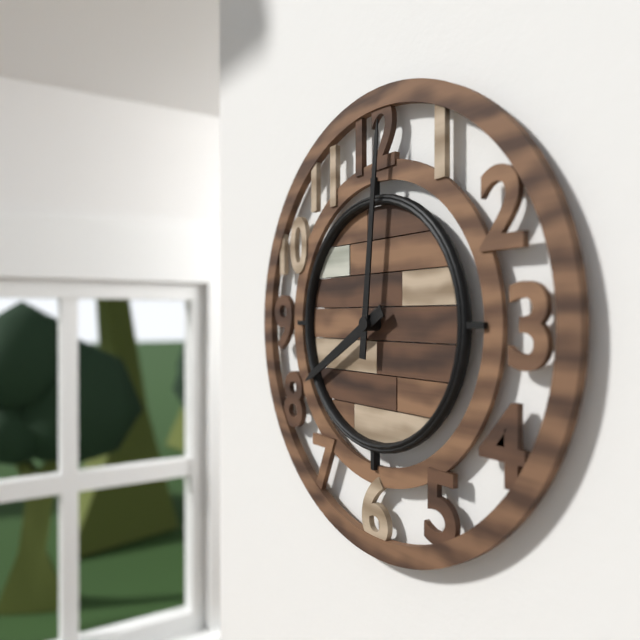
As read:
h=8 m=1
